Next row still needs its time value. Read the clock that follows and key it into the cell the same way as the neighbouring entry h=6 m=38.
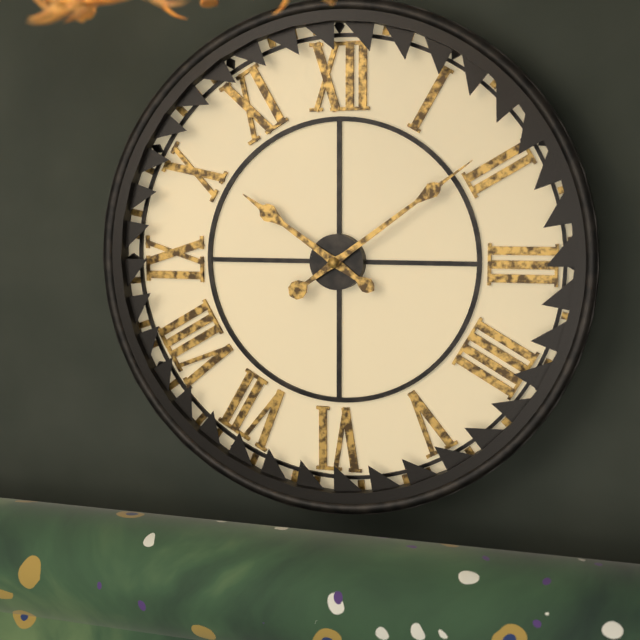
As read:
h=10 m=9
